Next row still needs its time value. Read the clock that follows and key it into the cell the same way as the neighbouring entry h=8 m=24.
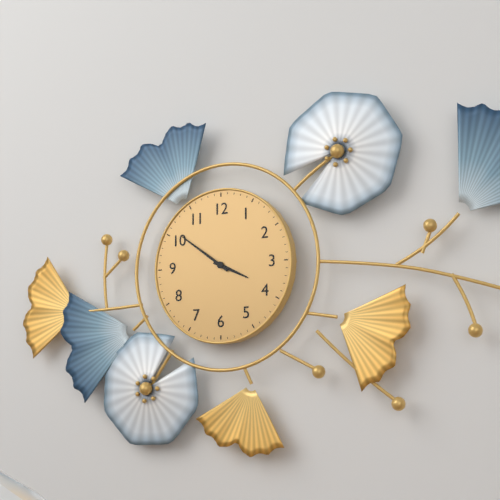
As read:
h=3 m=51
